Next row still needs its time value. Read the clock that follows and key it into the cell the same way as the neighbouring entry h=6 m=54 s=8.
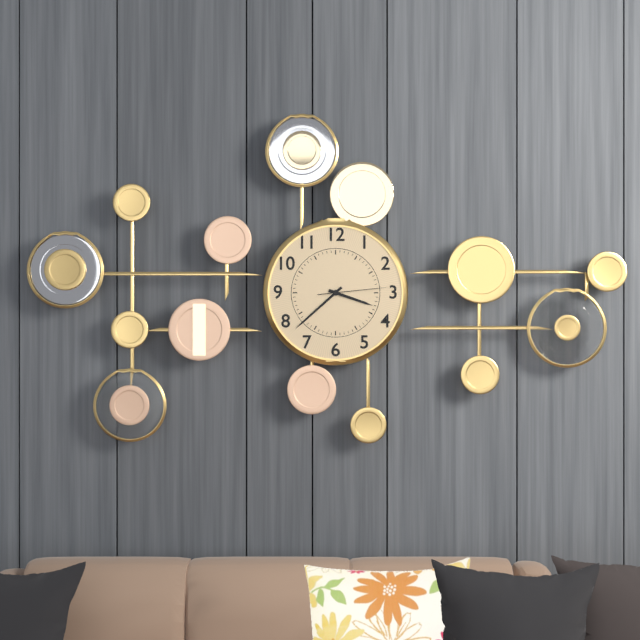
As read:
h=3 m=38 s=14
